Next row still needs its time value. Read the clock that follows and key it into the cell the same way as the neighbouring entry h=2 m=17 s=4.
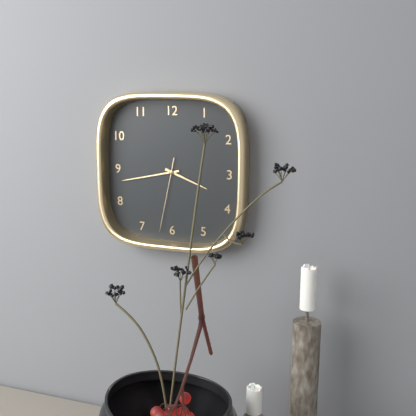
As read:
h=3 m=43 s=32
